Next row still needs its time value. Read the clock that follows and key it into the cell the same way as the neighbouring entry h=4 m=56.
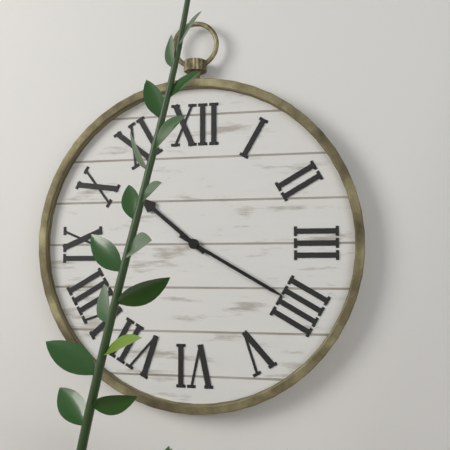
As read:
h=10 m=20
